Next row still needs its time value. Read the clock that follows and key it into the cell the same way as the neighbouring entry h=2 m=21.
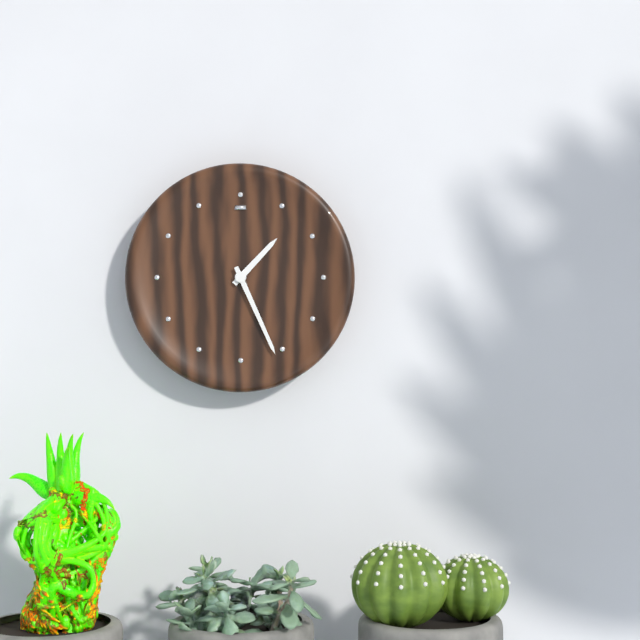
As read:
h=1 m=26
